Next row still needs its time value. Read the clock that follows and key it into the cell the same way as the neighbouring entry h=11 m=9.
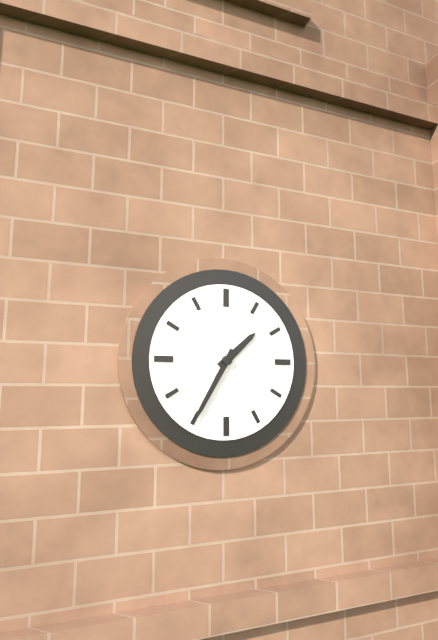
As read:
h=1 m=35
